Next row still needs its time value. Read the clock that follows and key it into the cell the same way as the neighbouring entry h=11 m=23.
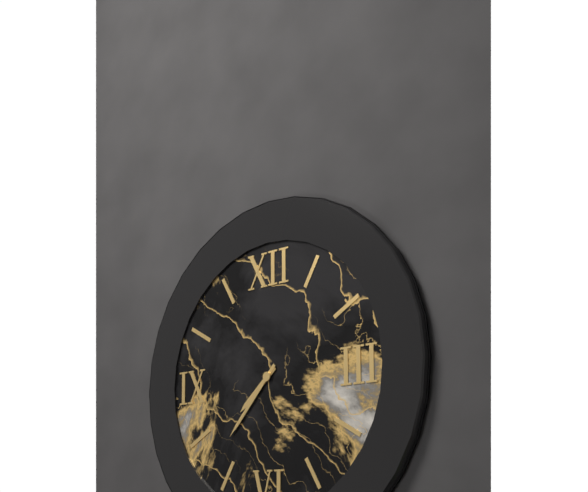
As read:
h=7 m=37
